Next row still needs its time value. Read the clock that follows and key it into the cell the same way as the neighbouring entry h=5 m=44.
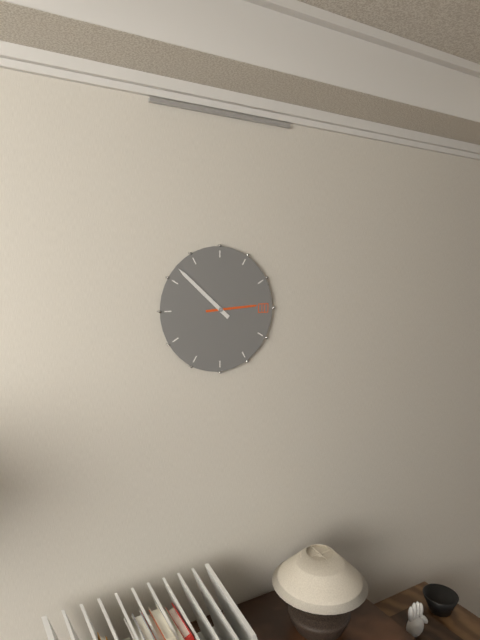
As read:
h=2 m=52
